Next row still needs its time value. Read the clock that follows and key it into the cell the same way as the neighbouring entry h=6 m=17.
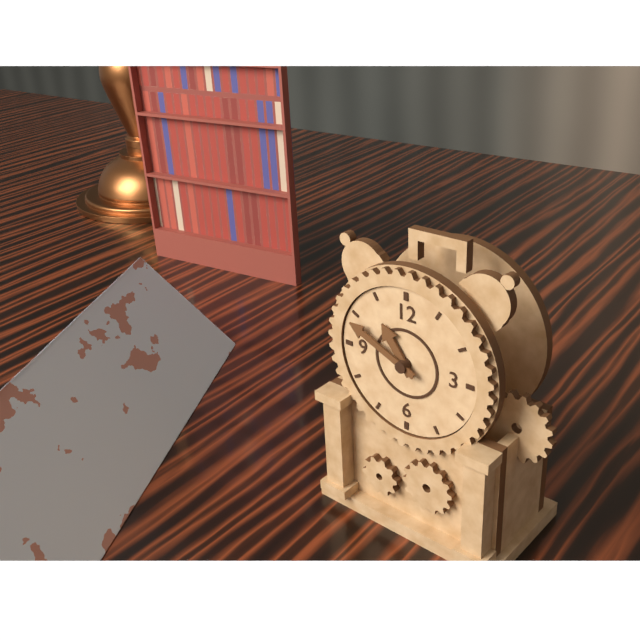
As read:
h=10 m=49
